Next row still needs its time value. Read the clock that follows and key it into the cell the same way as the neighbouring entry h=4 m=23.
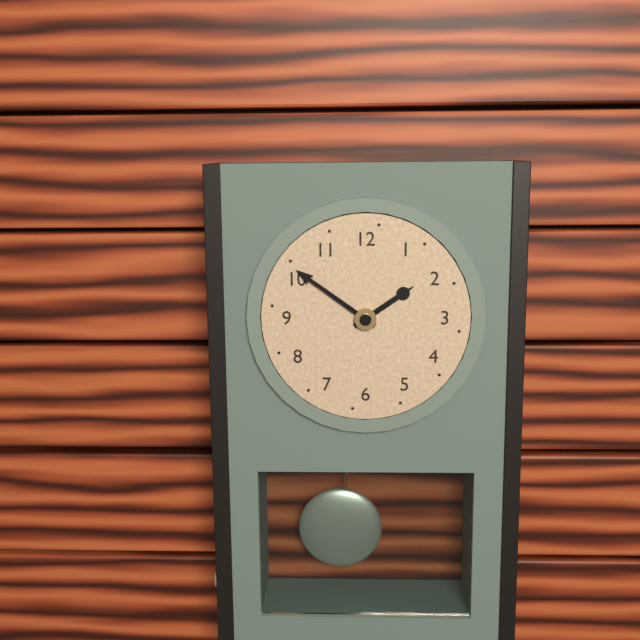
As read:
h=1 m=51
